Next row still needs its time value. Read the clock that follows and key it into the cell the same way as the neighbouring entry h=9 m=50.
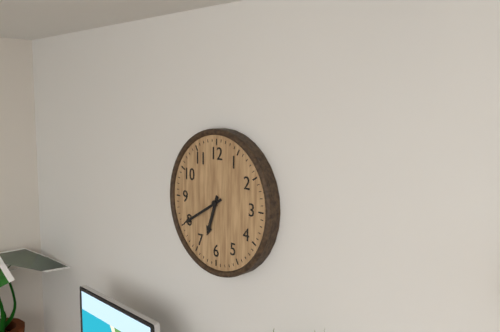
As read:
h=6 m=40
